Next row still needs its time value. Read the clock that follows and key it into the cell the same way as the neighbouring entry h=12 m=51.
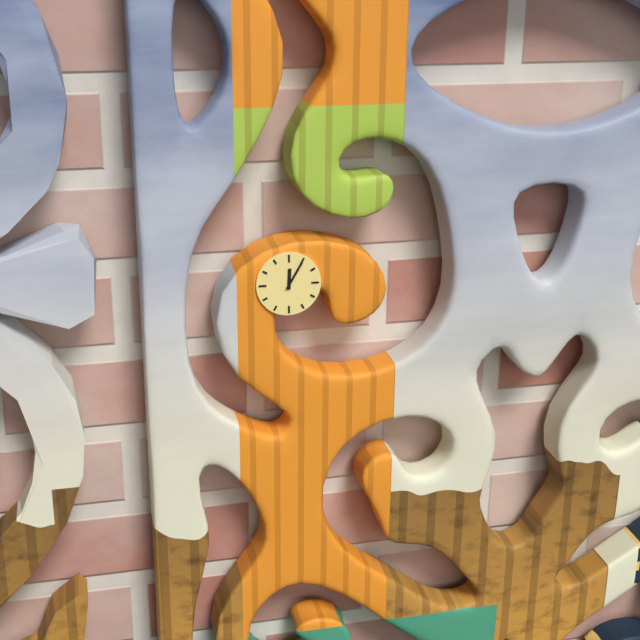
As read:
h=12 m=5
